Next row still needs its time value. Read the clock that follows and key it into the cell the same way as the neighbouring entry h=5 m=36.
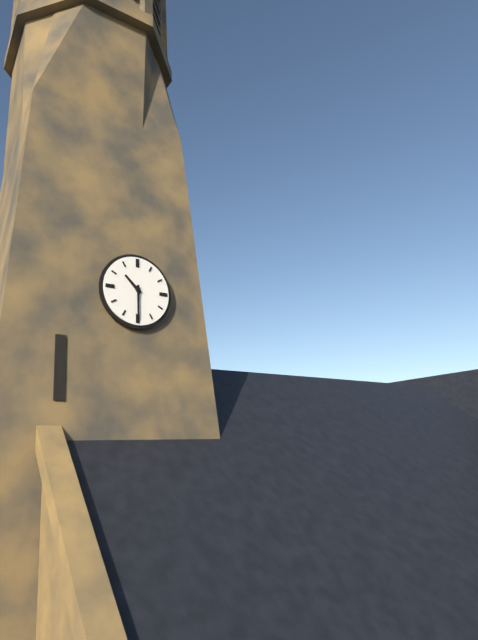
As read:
h=10 m=30
